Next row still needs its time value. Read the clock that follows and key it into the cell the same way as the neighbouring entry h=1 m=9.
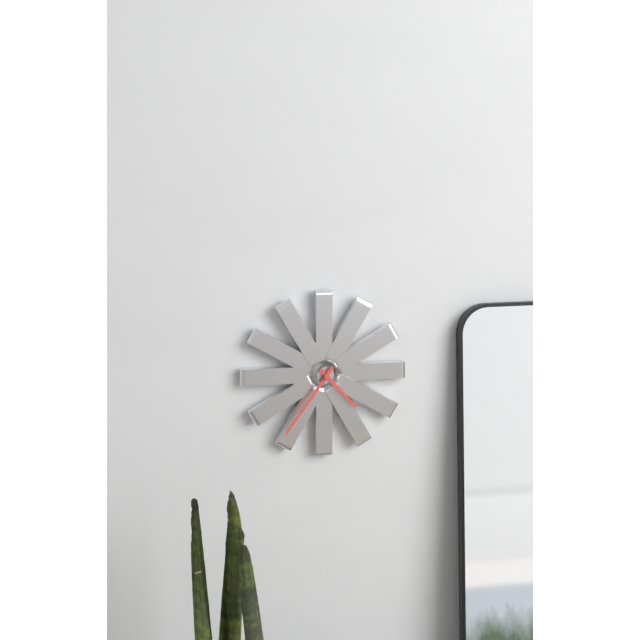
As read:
h=4 m=36
